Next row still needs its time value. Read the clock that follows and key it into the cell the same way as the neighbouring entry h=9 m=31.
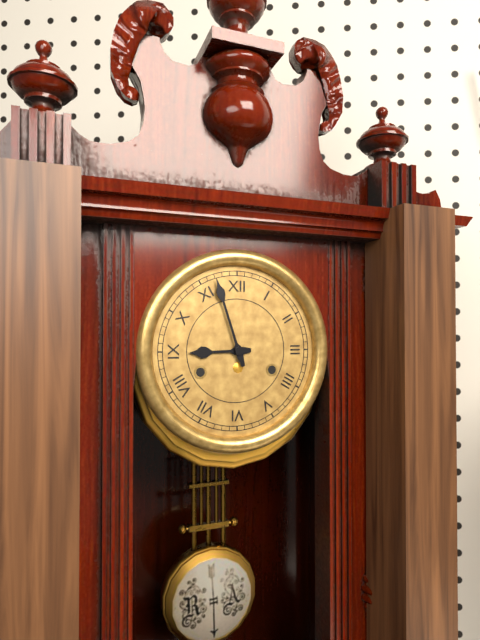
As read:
h=8 m=57
